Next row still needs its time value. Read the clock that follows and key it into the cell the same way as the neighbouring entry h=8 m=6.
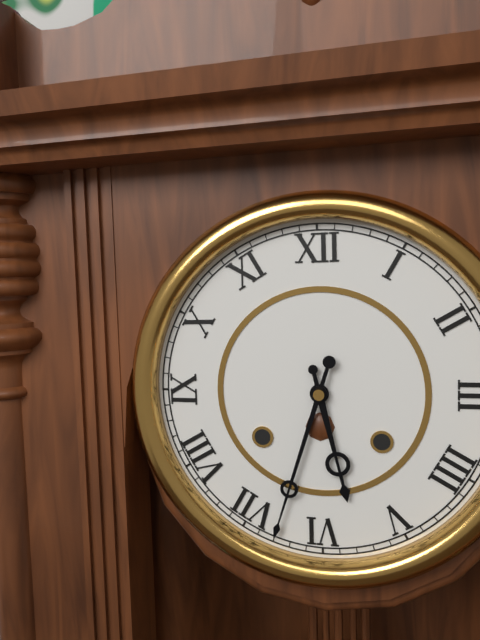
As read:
h=5 m=33
